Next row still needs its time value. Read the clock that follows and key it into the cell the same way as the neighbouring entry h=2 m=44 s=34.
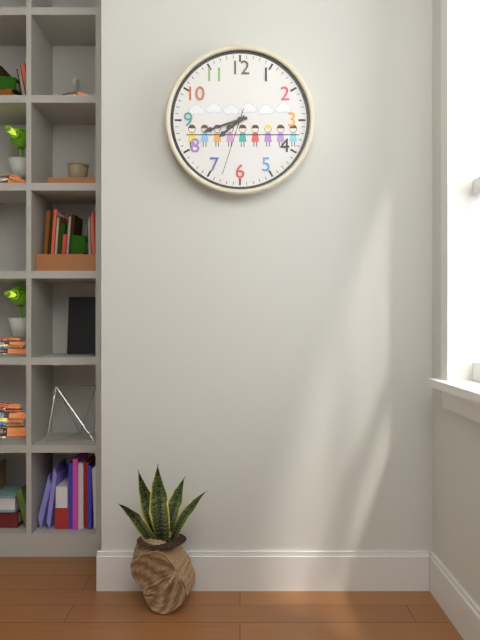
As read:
h=7 m=42 s=33
